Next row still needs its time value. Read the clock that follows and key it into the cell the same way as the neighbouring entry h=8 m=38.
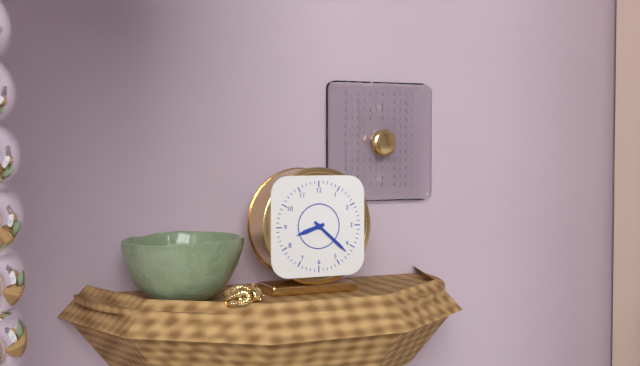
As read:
h=8 m=22
